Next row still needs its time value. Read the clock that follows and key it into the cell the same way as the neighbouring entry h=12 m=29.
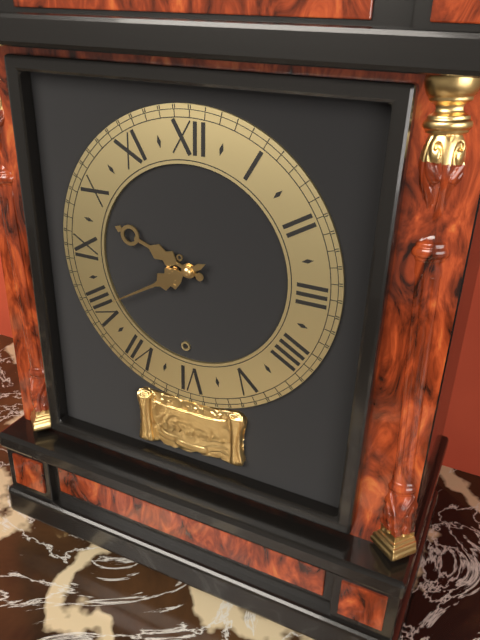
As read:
h=9 m=40
